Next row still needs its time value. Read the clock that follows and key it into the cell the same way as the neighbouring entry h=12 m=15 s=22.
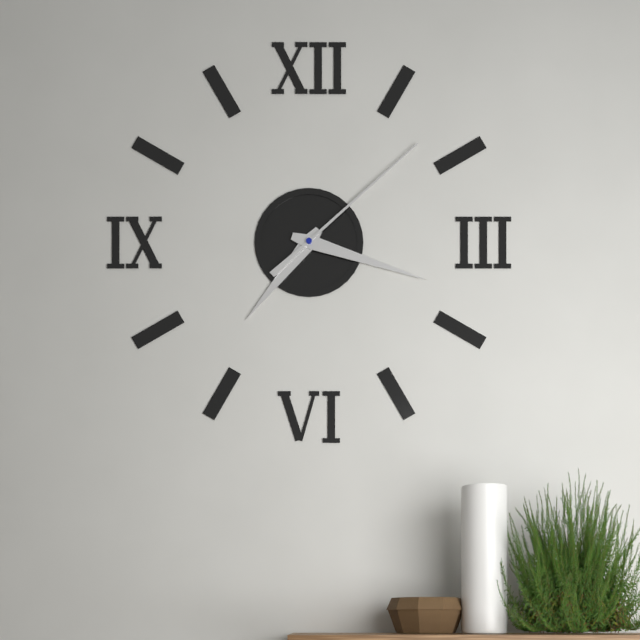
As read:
h=7 m=18 s=8
